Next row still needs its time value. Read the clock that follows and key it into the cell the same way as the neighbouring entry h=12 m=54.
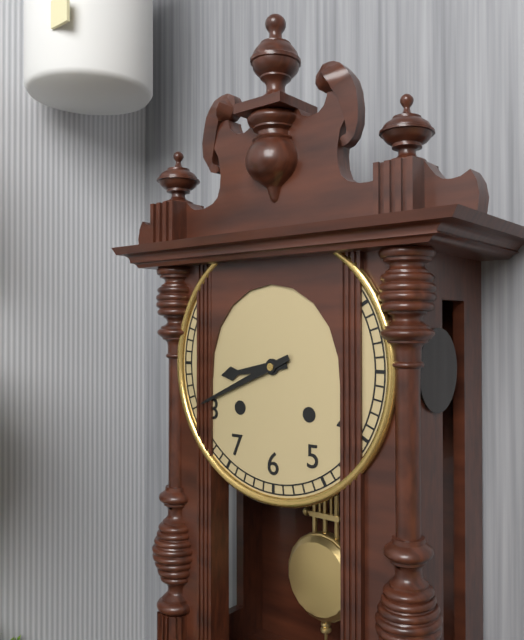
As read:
h=8 m=41
